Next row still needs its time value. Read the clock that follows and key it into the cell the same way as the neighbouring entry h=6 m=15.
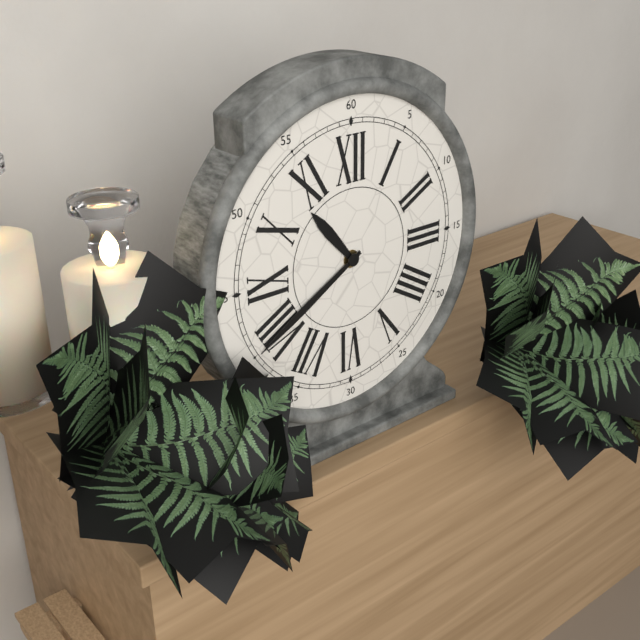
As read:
h=10 m=40
